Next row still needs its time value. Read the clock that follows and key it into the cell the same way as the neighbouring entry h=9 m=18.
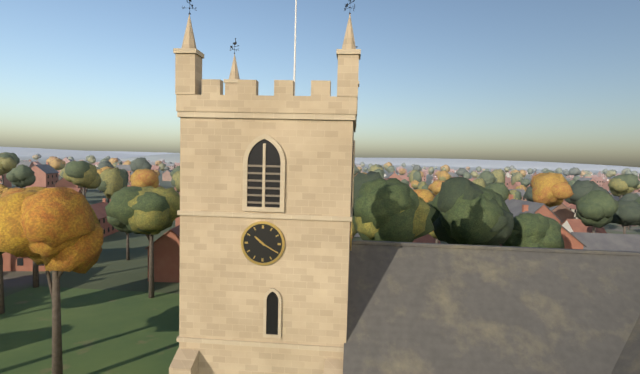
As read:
h=10 m=20
